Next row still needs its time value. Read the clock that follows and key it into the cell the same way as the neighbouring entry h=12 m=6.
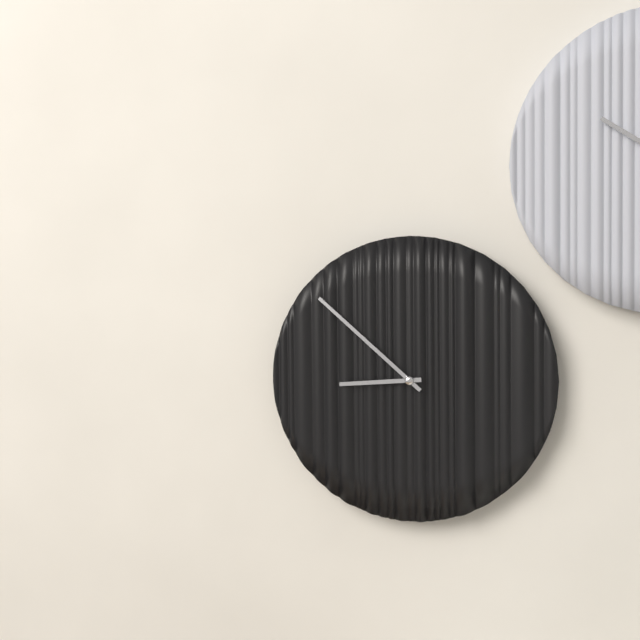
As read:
h=8 m=52
